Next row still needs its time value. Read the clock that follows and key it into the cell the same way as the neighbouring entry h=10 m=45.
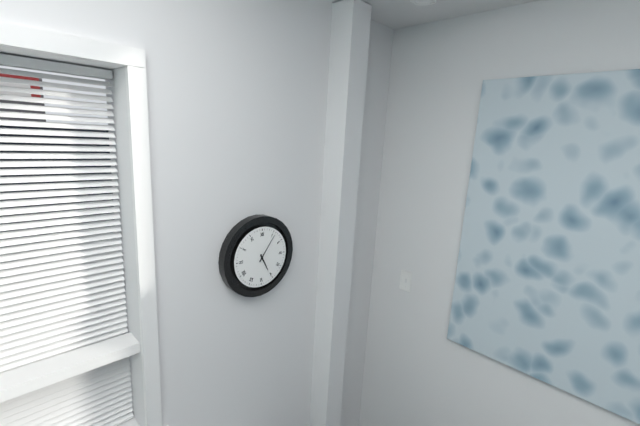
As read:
h=5 m=6
